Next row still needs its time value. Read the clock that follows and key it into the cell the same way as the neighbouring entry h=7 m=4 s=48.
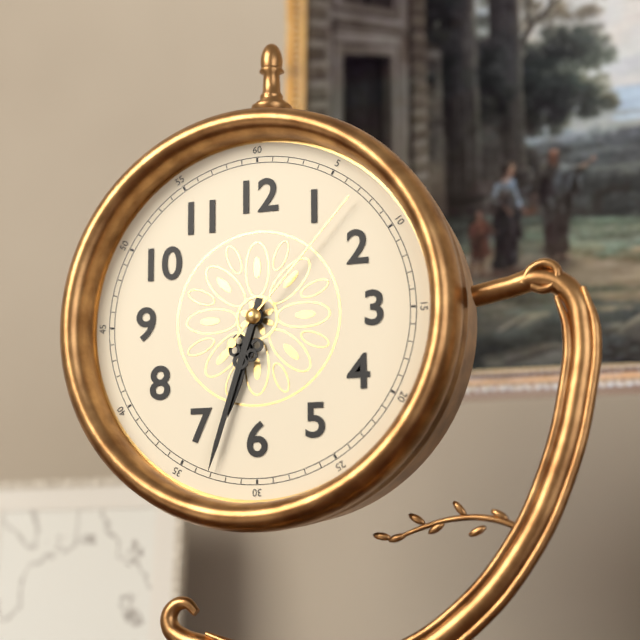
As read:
h=6 m=33 s=7
